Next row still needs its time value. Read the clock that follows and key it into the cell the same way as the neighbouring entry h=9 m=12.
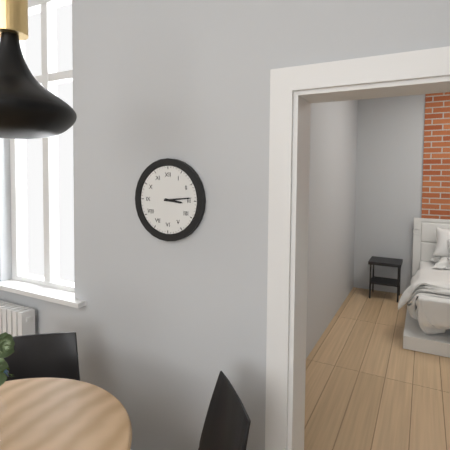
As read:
h=3 m=14
